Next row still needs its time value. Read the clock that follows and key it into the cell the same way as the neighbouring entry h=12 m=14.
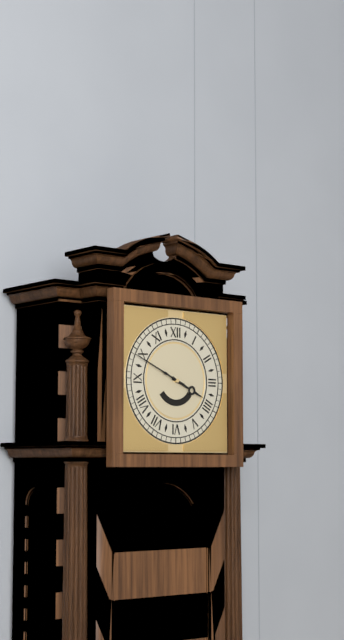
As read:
h=3 m=49
